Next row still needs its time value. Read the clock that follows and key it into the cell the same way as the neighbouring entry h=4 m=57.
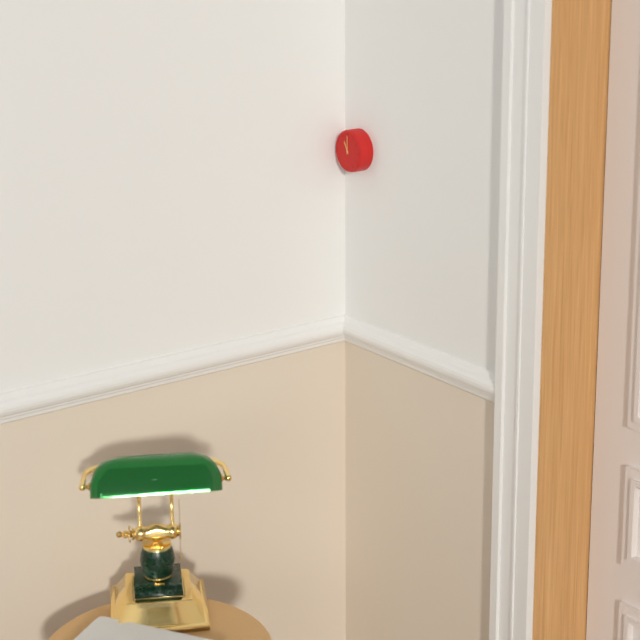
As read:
h=11 m=0
